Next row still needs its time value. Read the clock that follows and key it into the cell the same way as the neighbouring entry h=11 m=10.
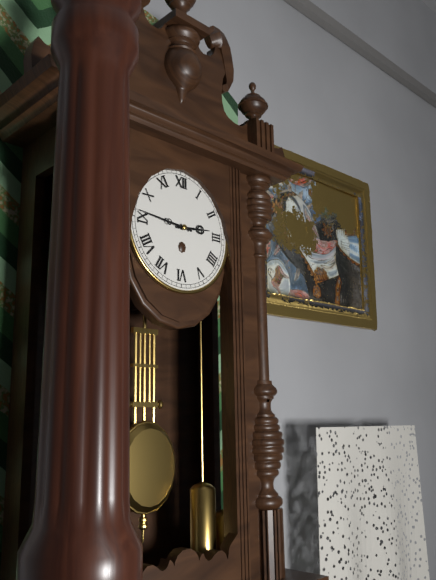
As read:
h=2 m=46
